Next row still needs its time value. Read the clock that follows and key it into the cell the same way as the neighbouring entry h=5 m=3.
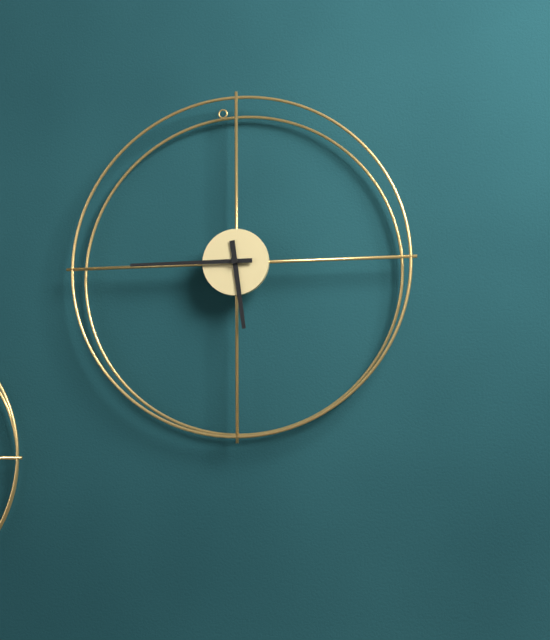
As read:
h=5 m=45
